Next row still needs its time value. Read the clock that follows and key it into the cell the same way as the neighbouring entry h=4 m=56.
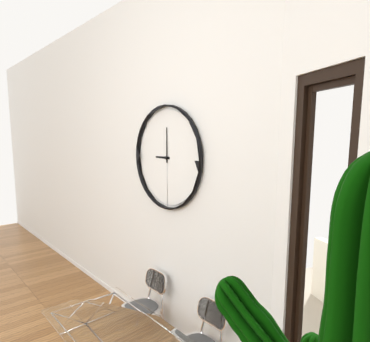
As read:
h=9 m=0
